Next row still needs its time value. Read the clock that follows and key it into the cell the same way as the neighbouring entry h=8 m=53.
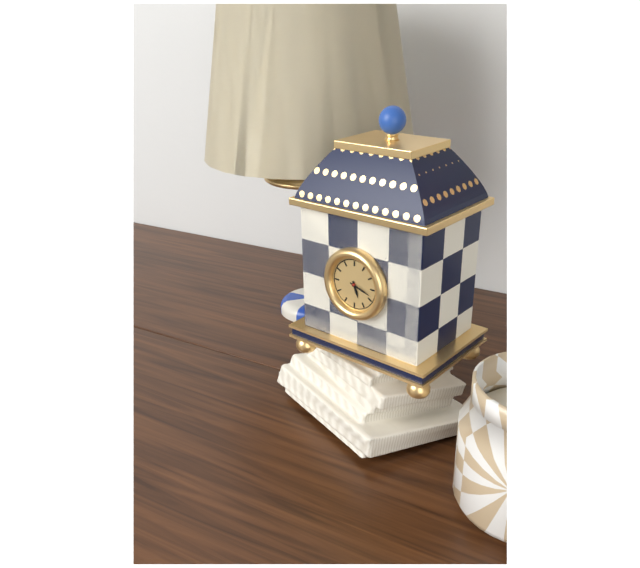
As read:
h=5 m=18
